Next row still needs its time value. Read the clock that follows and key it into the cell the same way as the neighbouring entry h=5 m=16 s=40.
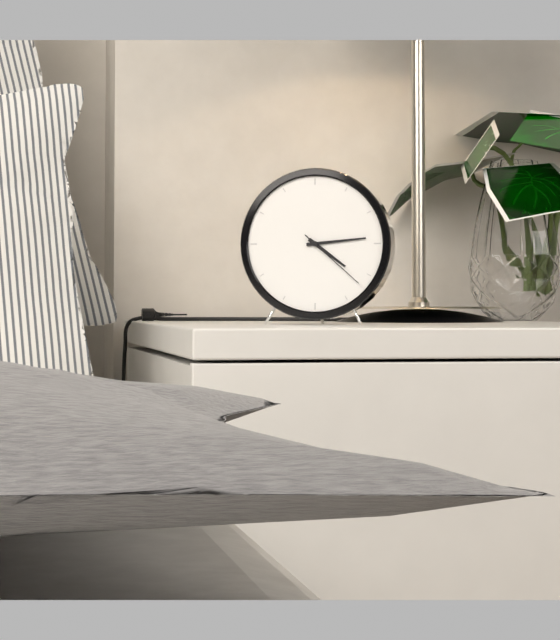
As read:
h=4 m=14 s=22
